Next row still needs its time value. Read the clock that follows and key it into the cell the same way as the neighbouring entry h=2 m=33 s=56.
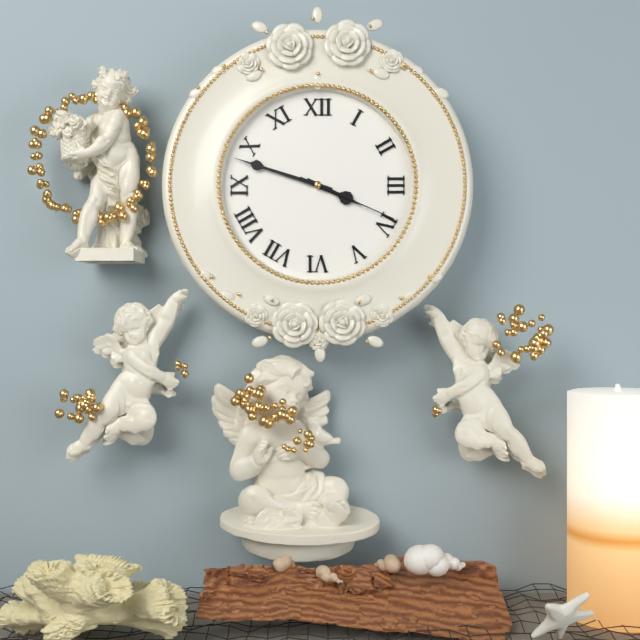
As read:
h=3 m=48 s=19
